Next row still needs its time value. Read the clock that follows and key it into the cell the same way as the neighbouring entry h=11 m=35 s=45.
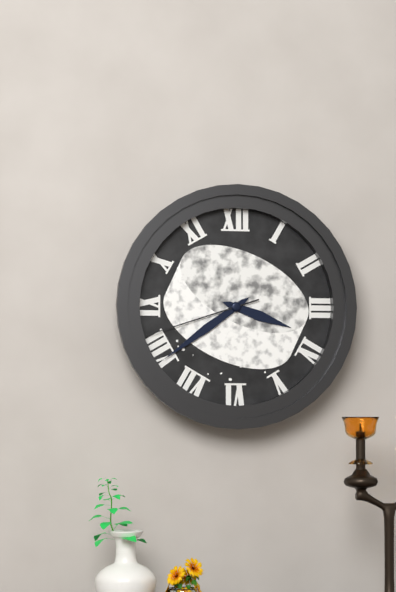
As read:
h=3 m=39 s=42
